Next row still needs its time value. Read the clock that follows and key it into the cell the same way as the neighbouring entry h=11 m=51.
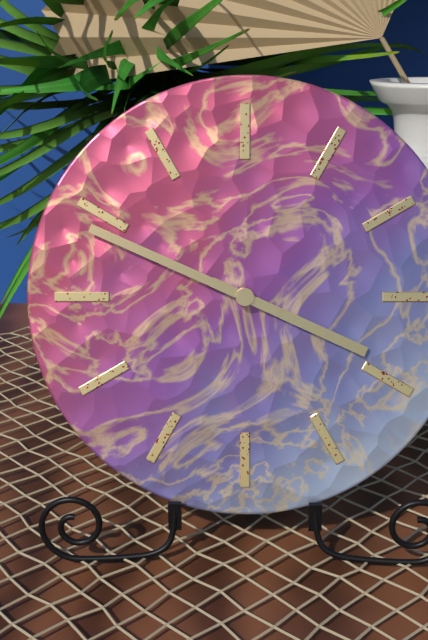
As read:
h=3 m=49
